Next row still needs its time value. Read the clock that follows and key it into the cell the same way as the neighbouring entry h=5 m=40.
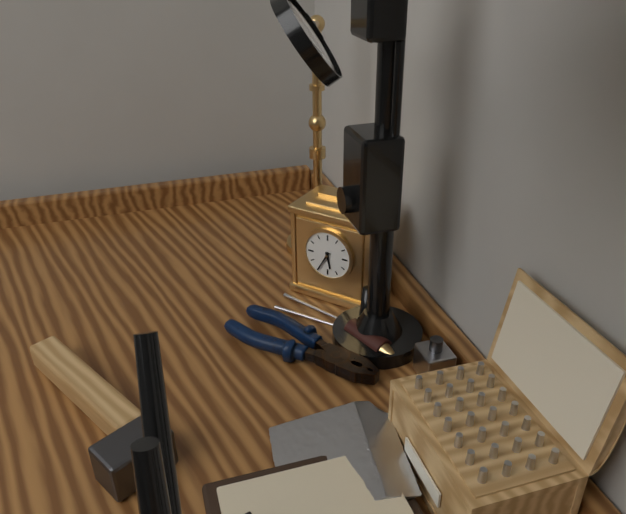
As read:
h=5 m=35
